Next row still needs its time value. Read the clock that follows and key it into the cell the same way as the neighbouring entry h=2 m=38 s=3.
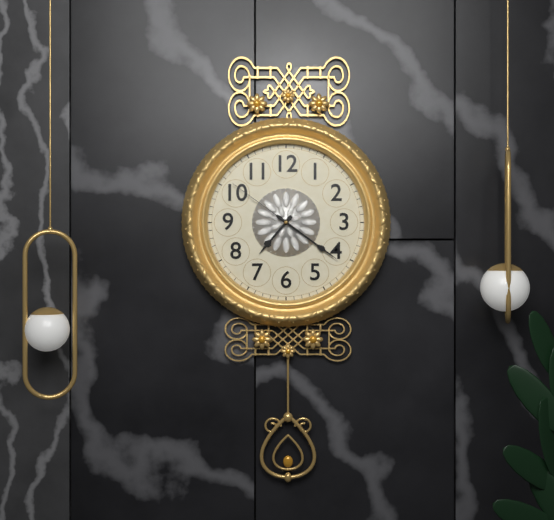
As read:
h=7 m=21 s=51
